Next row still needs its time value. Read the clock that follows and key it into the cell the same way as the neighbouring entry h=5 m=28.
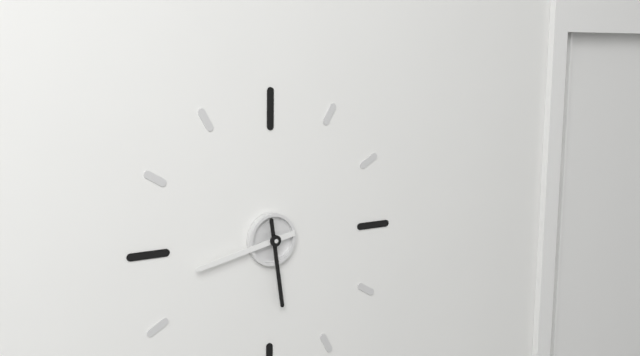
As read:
h=5 m=43
